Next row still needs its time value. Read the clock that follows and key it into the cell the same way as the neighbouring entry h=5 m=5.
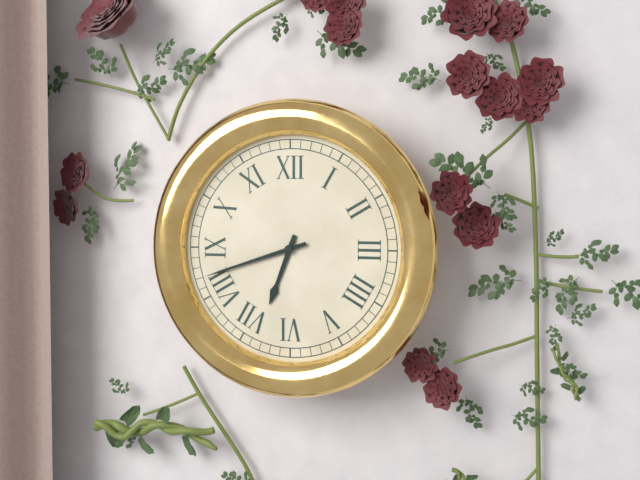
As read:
h=6 m=42
